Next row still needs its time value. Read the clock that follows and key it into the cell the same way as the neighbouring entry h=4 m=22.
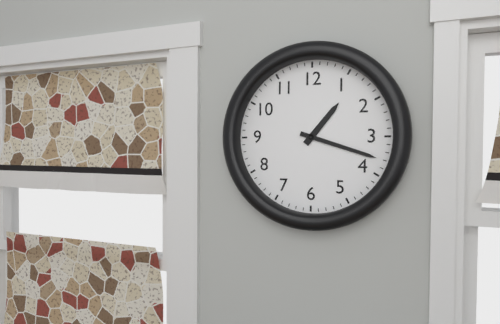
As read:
h=1 m=18
